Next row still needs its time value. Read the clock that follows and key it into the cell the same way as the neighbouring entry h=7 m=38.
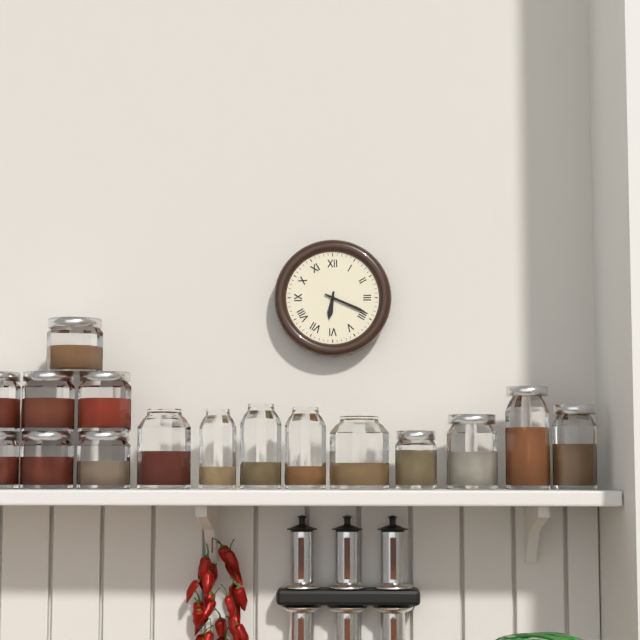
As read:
h=6 m=19
